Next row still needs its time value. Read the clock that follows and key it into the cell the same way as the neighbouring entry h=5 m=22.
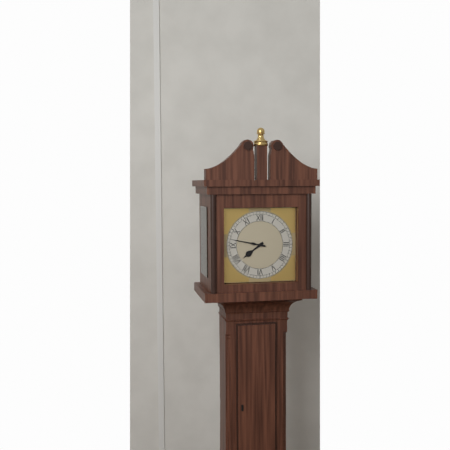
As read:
h=7 m=47
